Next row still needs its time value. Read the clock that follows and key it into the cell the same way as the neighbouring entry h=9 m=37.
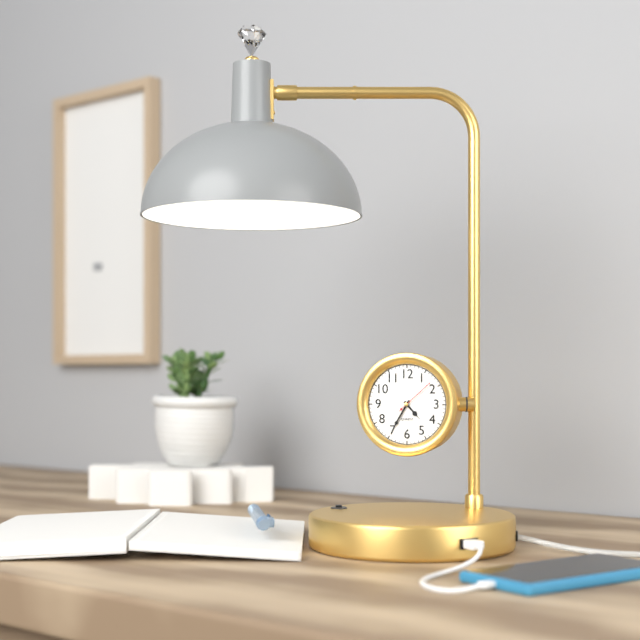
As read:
h=4 m=35
